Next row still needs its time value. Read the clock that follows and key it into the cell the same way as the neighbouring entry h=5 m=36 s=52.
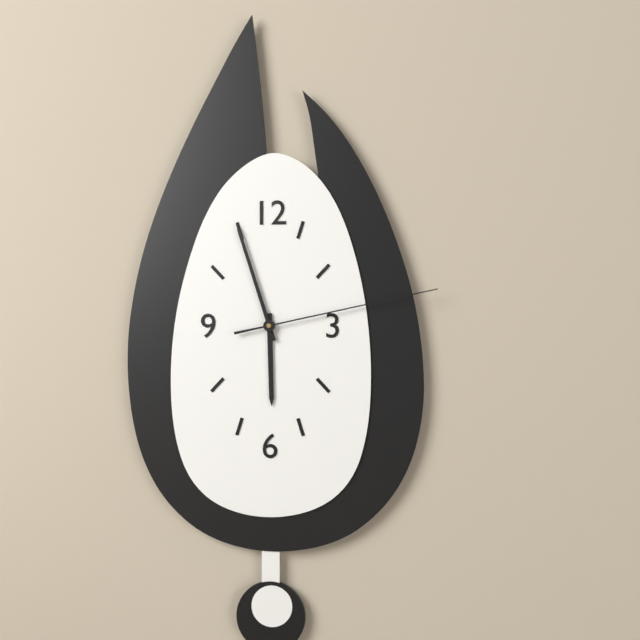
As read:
h=5 m=57 s=13
